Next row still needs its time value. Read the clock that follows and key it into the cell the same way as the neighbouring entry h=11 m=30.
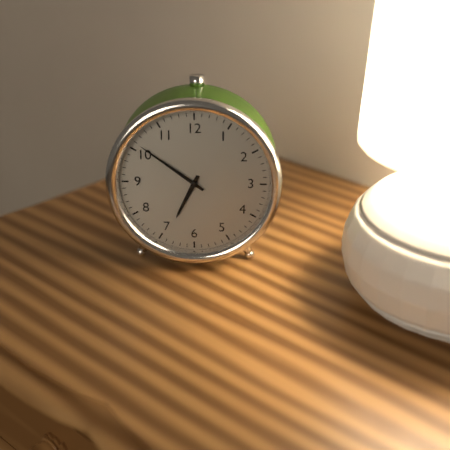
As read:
h=6 m=51
